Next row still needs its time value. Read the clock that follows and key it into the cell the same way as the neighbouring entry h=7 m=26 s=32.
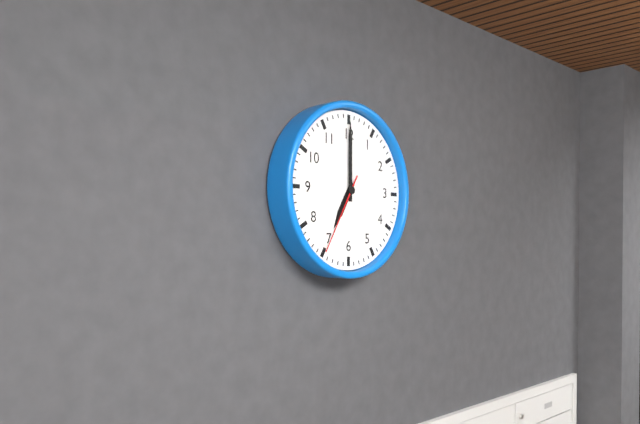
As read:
h=7 m=0 s=35
